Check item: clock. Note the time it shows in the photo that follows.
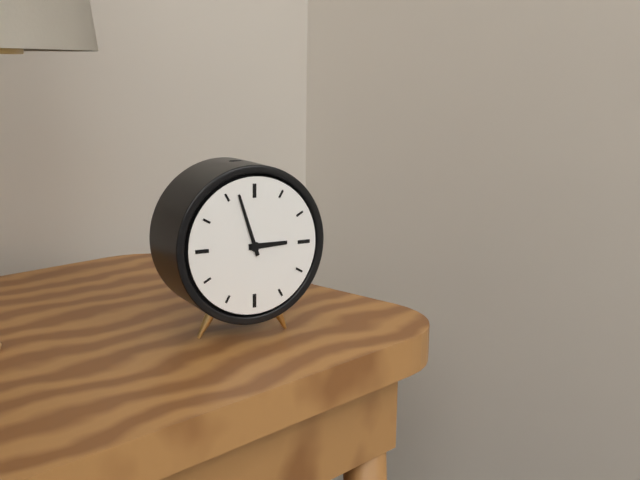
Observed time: 2:57
